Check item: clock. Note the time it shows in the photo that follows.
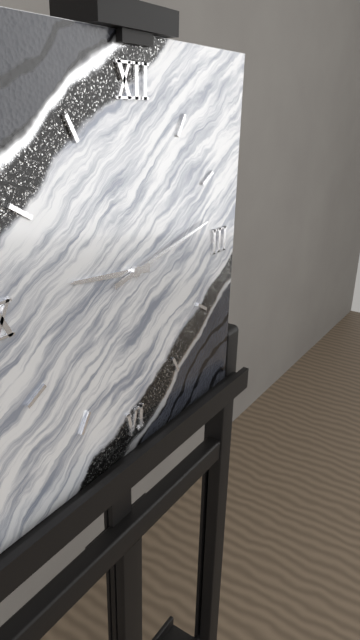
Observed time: 9:13
